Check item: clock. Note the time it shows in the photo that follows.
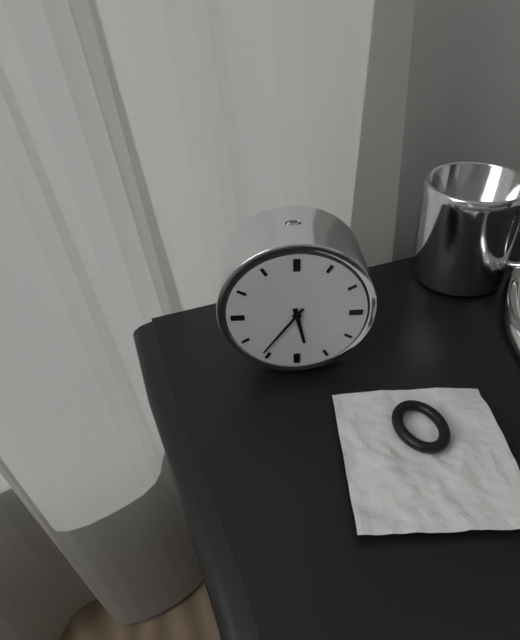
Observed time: 5:36
